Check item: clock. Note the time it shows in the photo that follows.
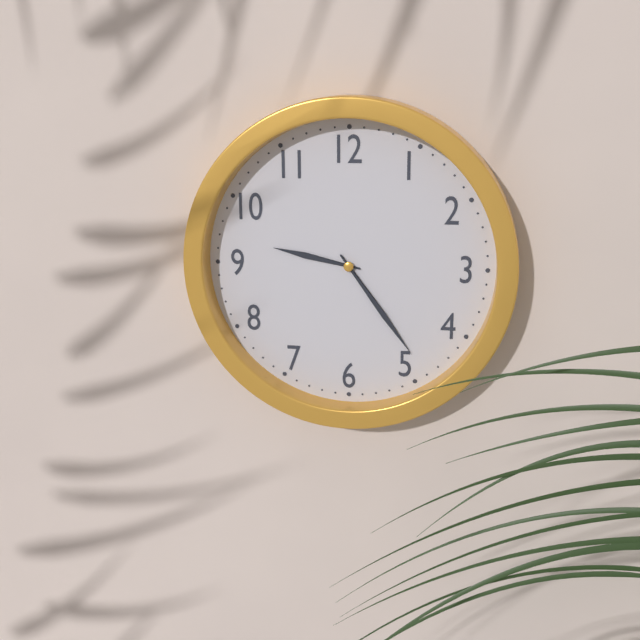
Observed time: 9:24
